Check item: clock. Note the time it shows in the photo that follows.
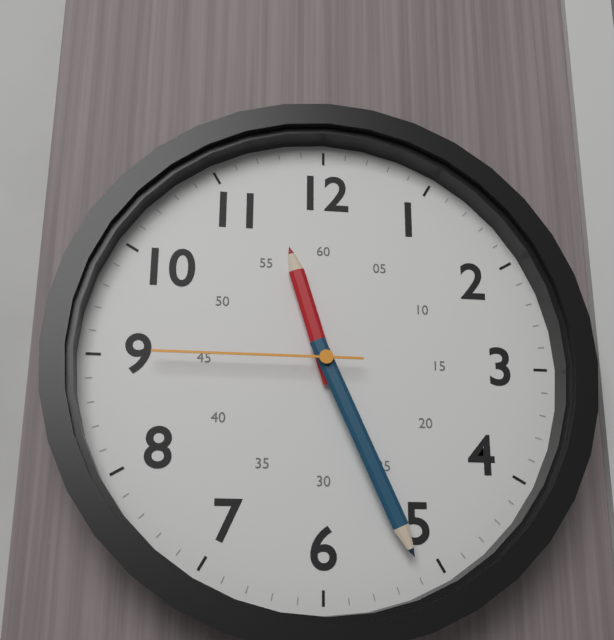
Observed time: 11:26:45
